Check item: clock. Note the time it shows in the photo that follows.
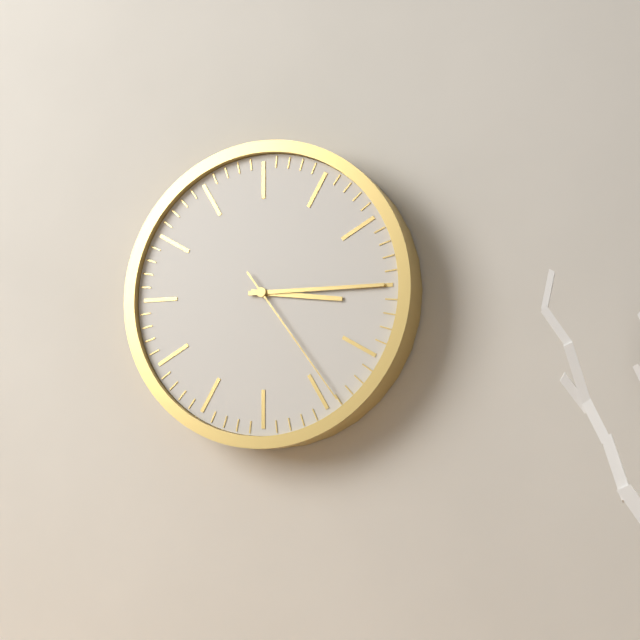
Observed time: 3:15:24
